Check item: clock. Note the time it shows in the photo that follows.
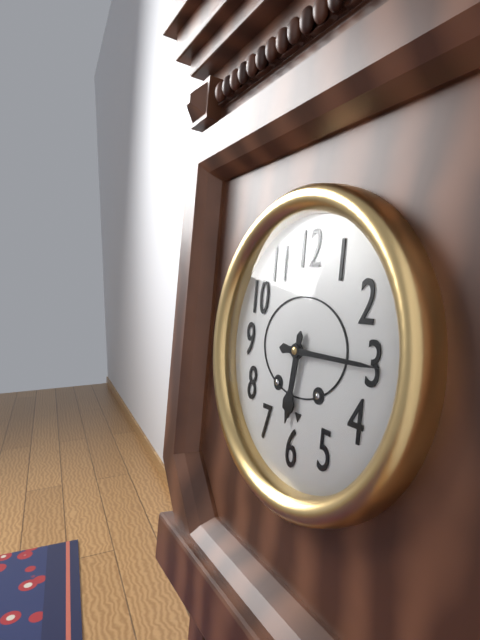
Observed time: 6:15
